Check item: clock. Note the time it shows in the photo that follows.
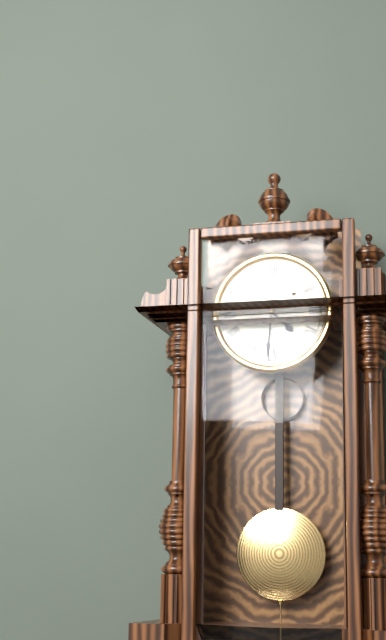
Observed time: 4:31
